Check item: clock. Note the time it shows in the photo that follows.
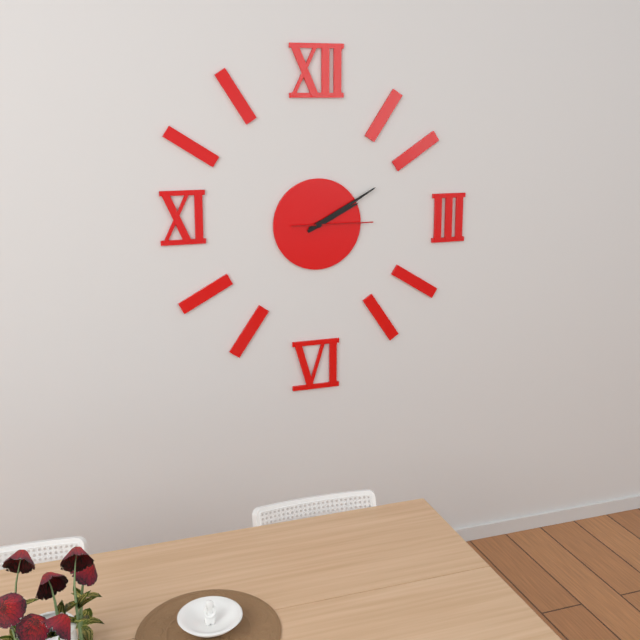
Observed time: 2:10:15
